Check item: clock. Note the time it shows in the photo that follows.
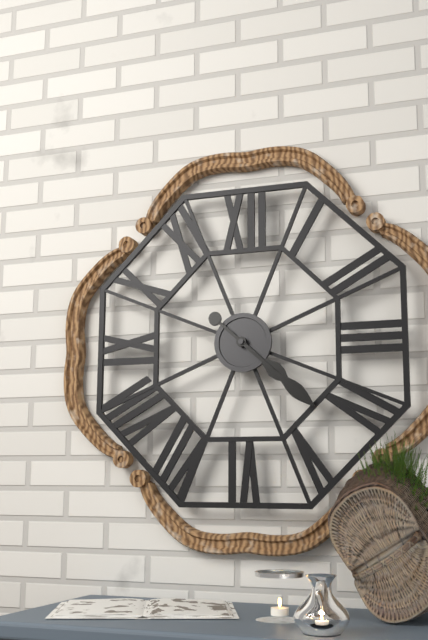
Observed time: 4:22
